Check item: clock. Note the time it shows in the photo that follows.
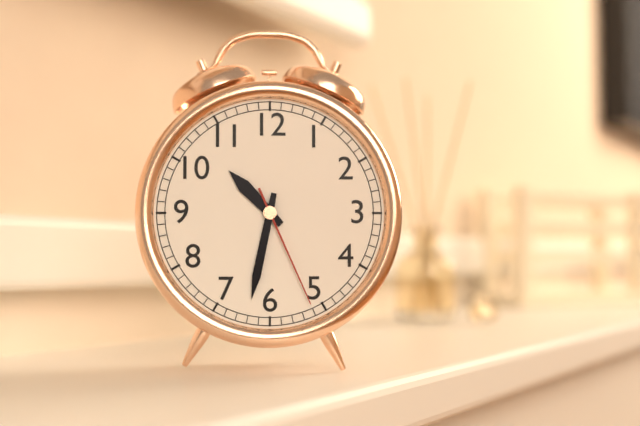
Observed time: 10:32:26
